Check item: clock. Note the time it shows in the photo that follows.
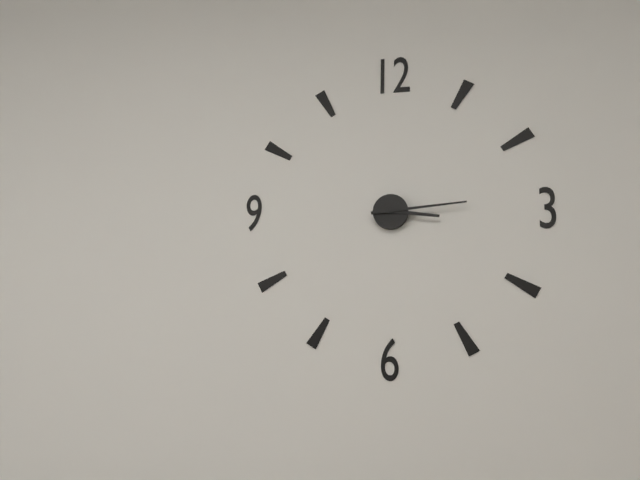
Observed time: 3:14
